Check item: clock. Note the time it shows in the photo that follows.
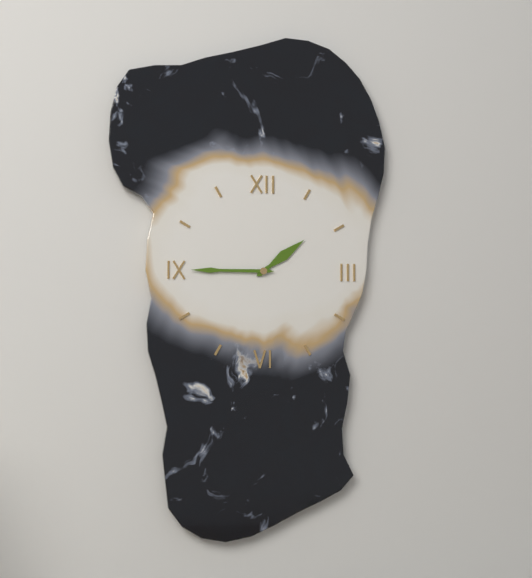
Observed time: 1:45
